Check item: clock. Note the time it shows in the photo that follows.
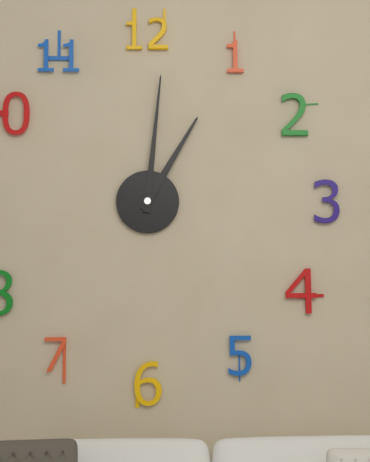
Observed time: 1:01
